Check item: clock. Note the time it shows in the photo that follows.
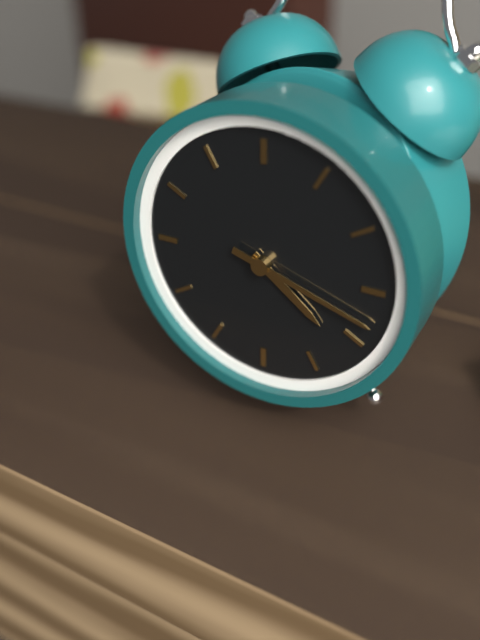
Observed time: 4:18
